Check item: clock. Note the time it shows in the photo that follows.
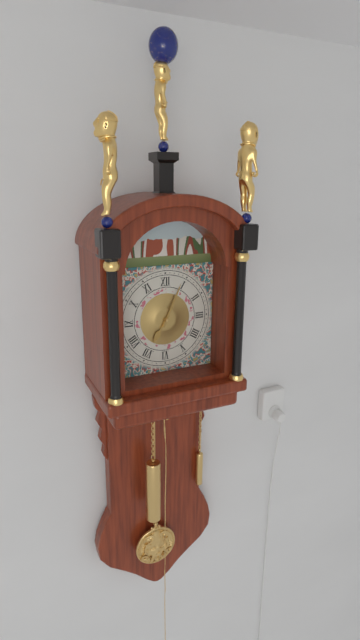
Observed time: 7:04
